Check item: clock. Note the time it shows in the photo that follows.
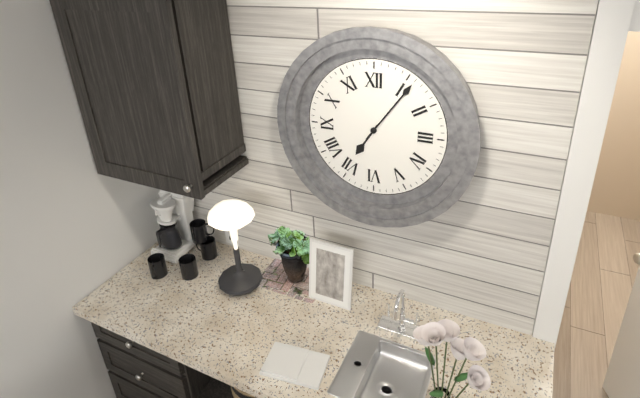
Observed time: 7:06
